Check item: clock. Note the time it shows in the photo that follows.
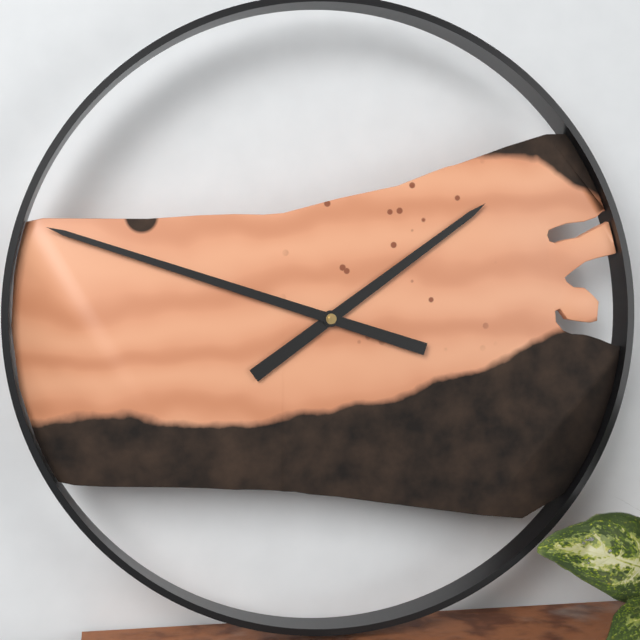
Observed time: 1:48
